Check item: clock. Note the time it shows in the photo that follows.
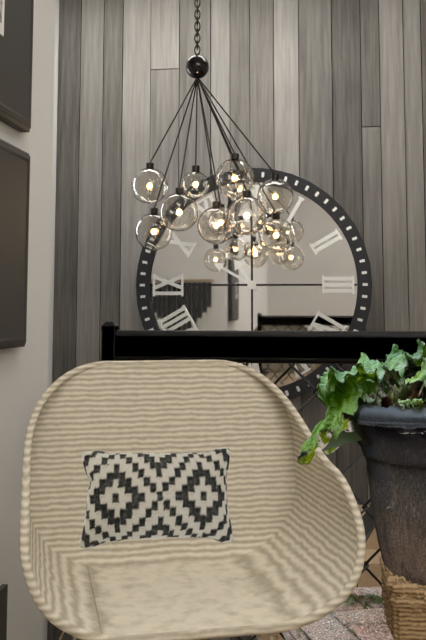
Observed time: 10:50
